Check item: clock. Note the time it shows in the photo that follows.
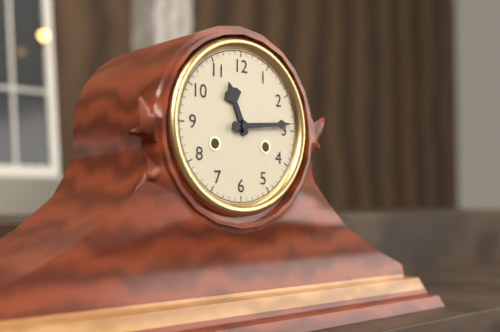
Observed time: 11:14
